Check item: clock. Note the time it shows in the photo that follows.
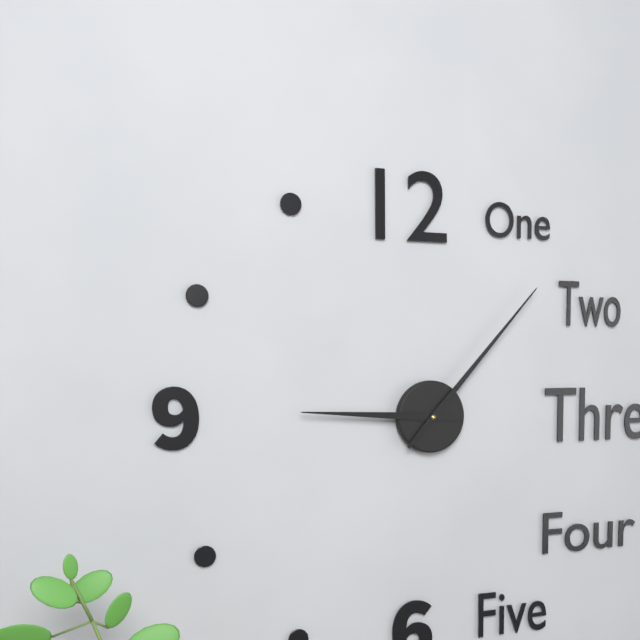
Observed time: 9:07
